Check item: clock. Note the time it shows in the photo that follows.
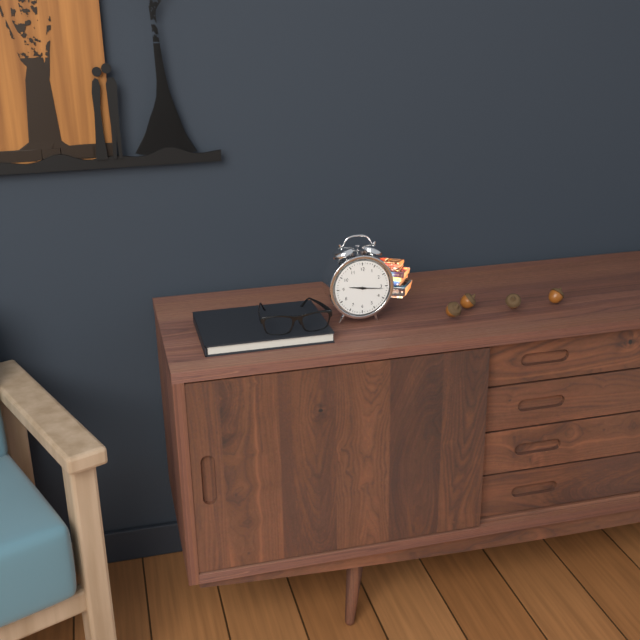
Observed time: 9:16
